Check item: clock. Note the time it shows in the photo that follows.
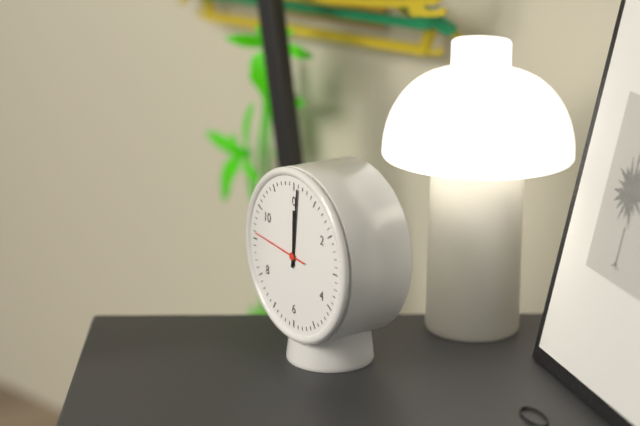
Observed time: 12:01:46
